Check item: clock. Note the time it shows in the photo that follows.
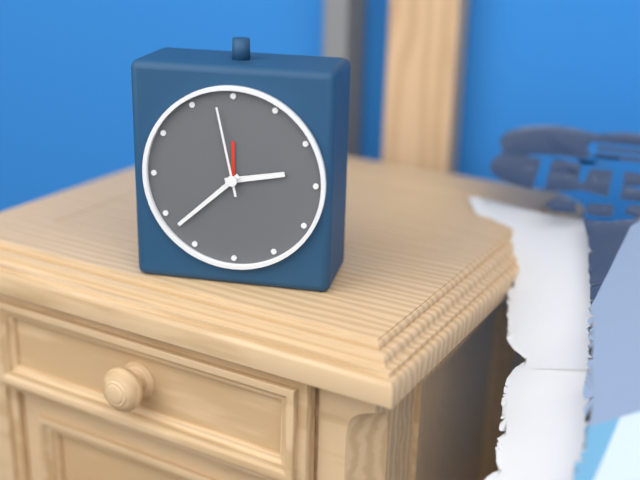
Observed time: 2:38:58
